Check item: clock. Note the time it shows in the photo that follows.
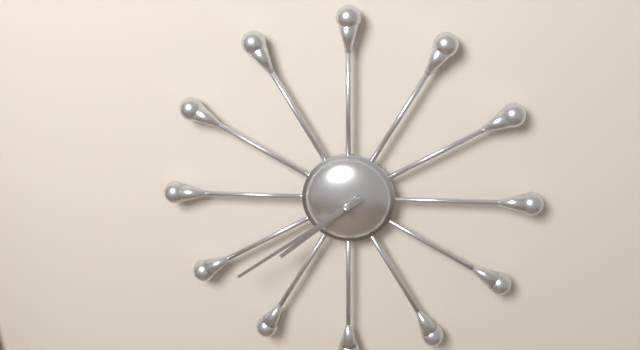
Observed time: 7:39
